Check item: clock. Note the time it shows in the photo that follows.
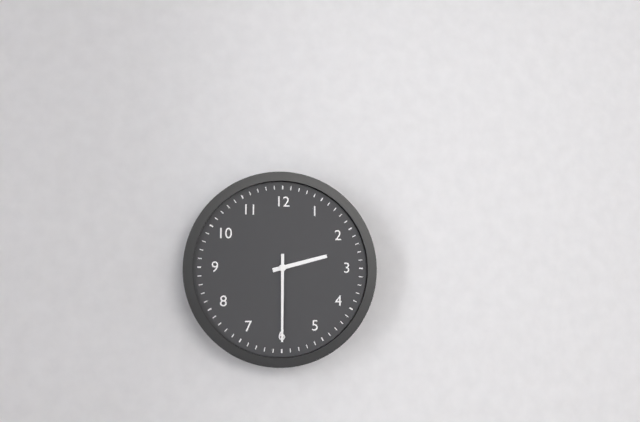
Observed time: 2:30
